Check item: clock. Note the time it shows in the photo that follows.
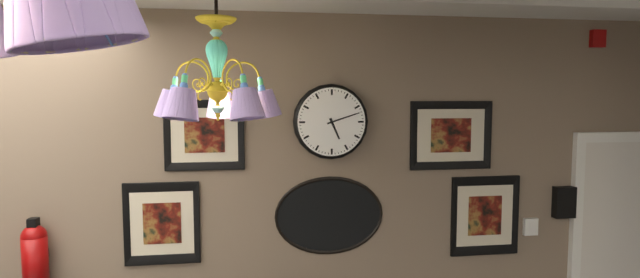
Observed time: 5:12
